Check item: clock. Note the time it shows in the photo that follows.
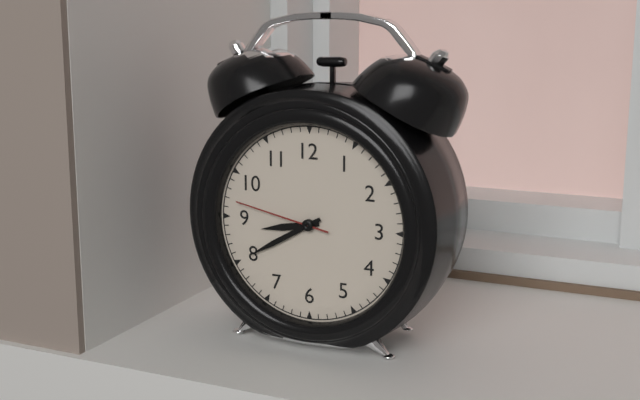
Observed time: 8:40:47
